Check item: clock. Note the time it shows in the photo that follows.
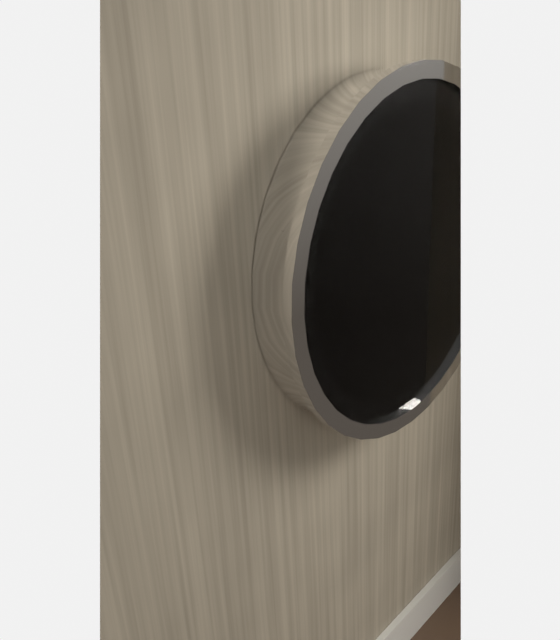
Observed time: 9:52
